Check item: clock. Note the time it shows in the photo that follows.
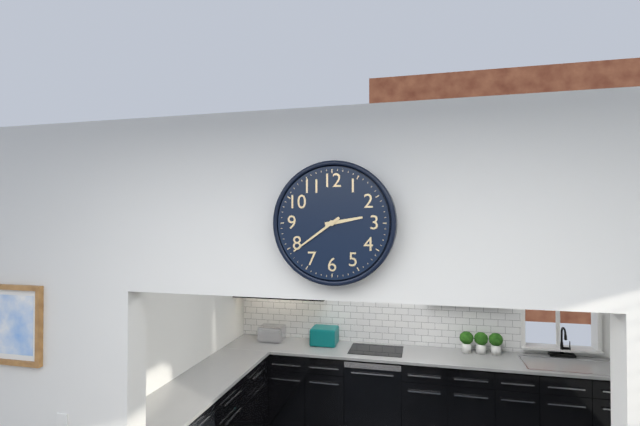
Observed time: 2:39
